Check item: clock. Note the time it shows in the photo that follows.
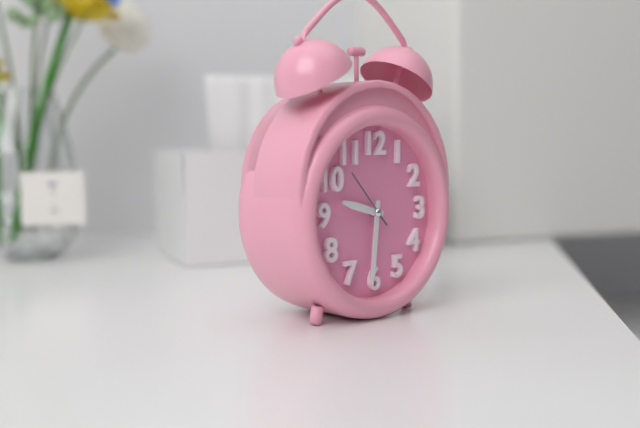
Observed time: 9:31:53
